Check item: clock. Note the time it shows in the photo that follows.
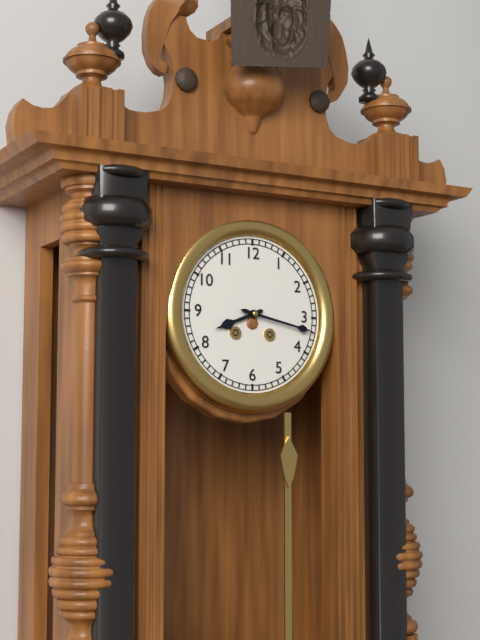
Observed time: 8:17
